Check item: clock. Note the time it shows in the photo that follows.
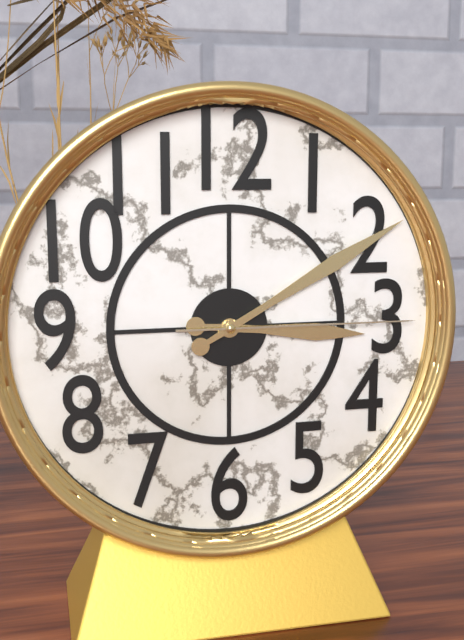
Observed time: 3:10:15
